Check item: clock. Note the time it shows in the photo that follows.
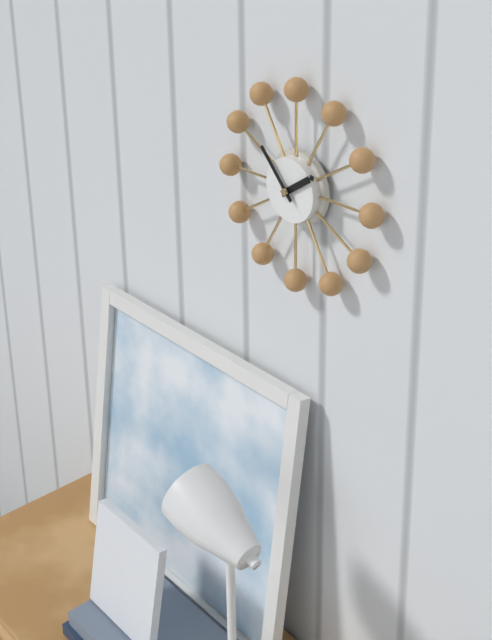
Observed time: 1:53
